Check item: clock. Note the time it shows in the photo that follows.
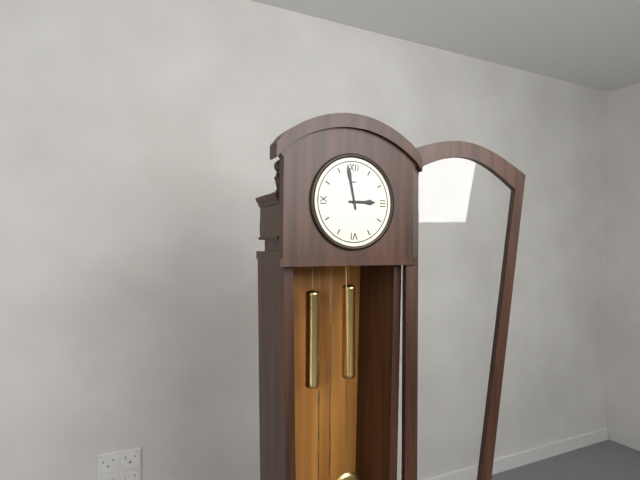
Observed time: 2:58
